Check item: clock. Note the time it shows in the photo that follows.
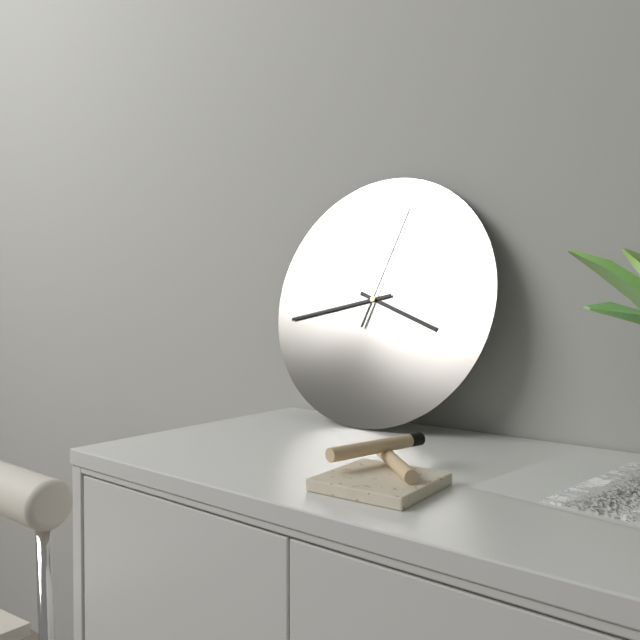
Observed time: 3:43:03
